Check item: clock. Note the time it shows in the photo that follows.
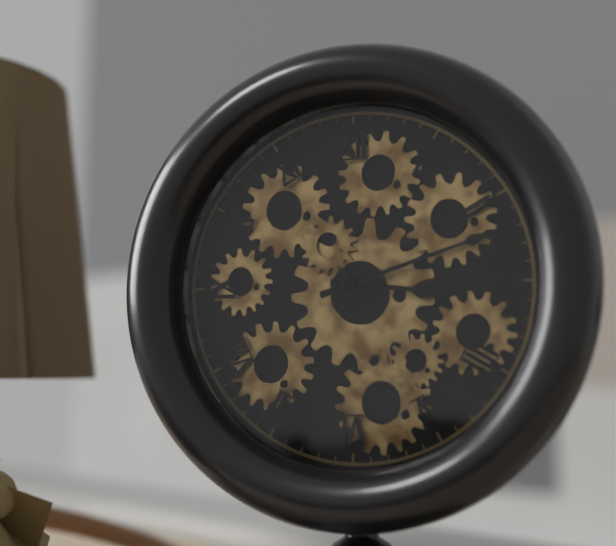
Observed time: 3:12
